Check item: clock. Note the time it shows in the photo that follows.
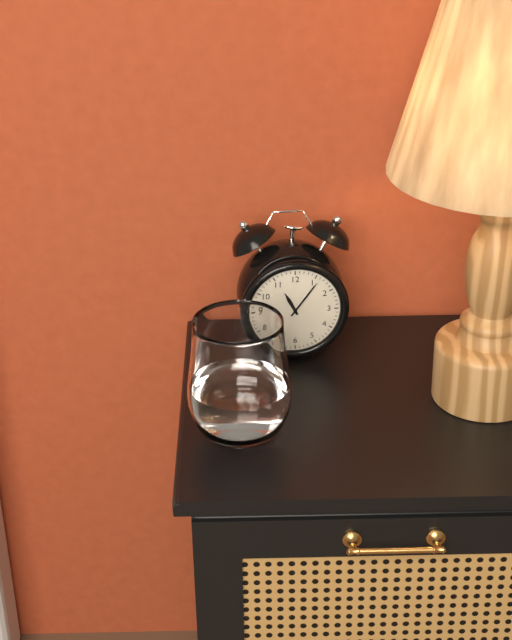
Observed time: 11:06
